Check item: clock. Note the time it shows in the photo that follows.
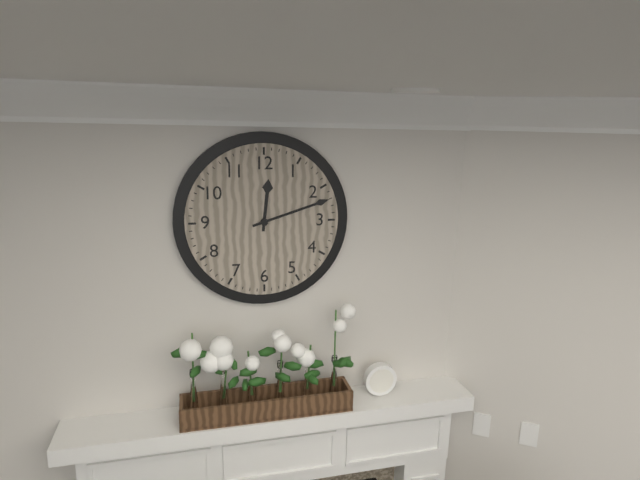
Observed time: 12:12
